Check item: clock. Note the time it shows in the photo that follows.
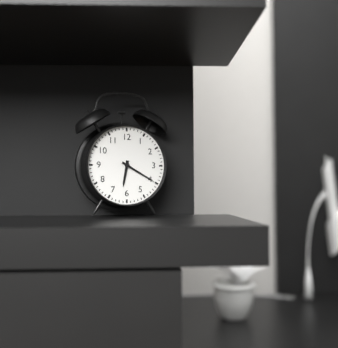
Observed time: 6:20
